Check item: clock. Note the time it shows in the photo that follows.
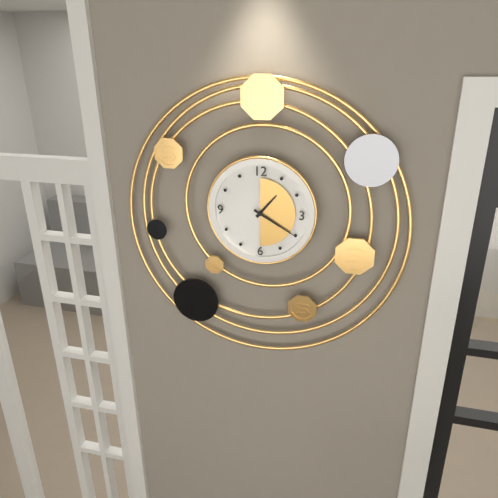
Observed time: 1:20
